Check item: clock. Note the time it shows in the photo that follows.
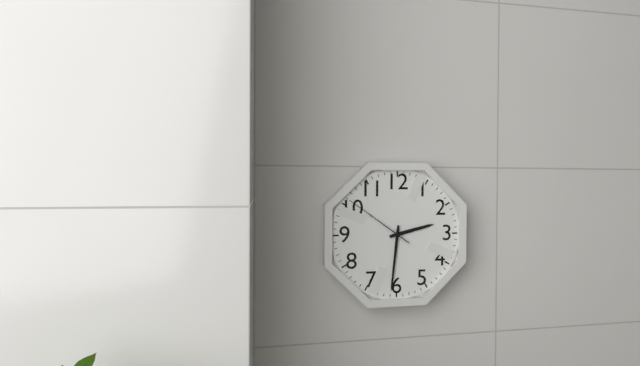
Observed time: 2:31:51
